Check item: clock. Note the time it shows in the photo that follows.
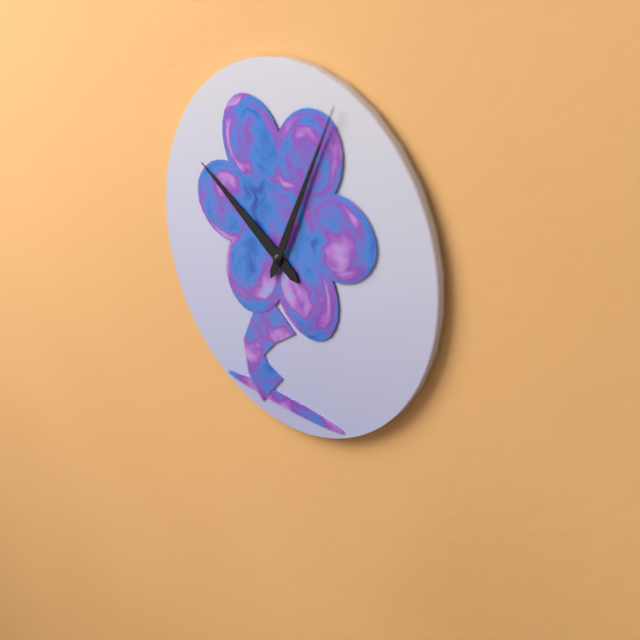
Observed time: 10:04
